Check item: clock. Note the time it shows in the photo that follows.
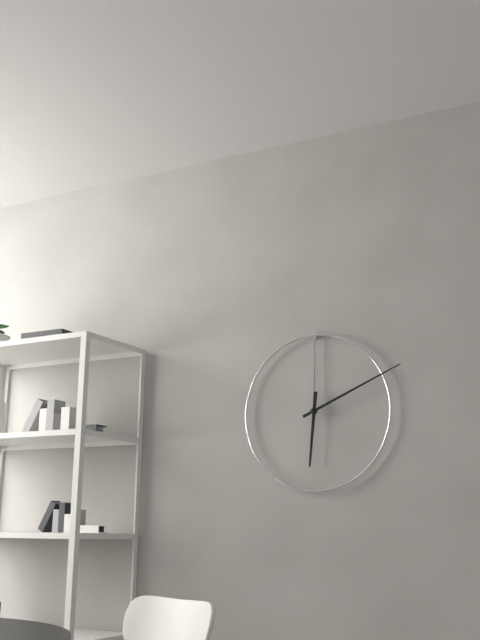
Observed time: 6:11
